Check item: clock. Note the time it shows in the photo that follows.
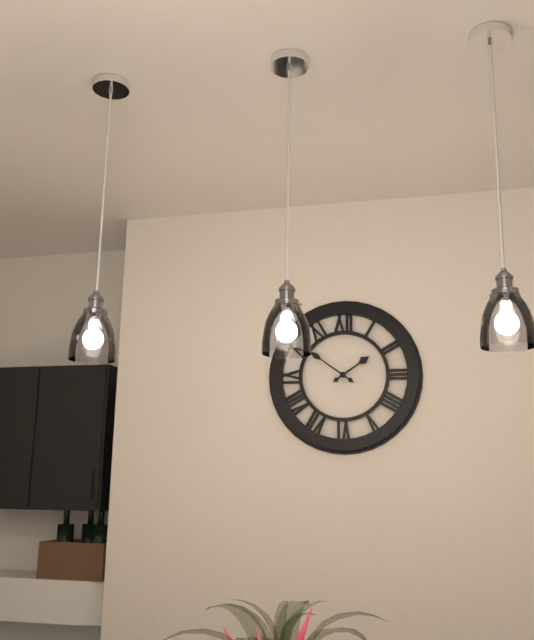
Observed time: 1:51
